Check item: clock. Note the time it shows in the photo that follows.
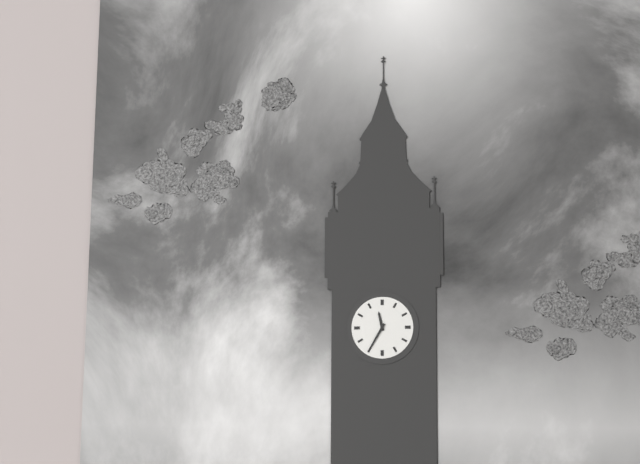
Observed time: 11:35
